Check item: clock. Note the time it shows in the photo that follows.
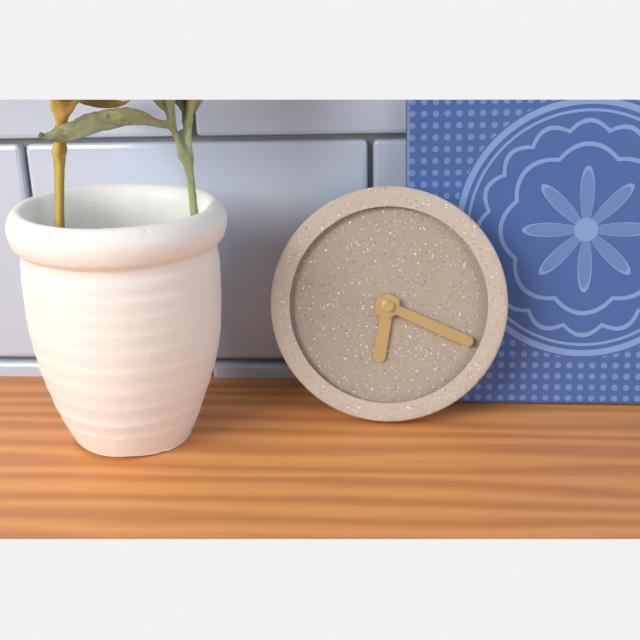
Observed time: 6:19
